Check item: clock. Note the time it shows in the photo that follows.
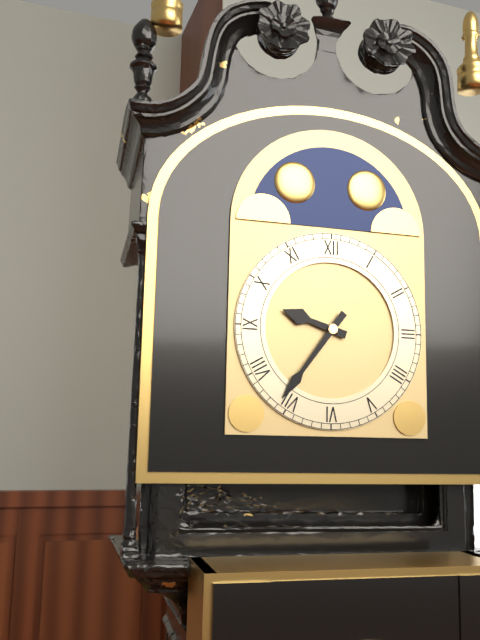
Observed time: 9:36
